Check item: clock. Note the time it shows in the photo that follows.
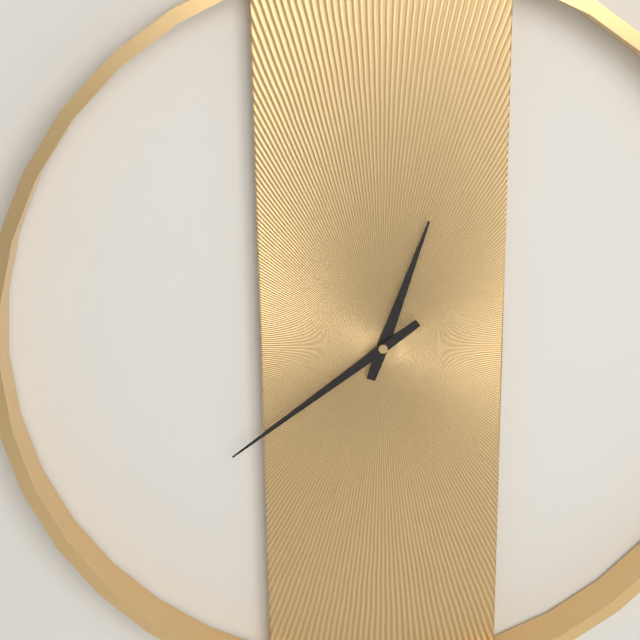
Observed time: 12:39
